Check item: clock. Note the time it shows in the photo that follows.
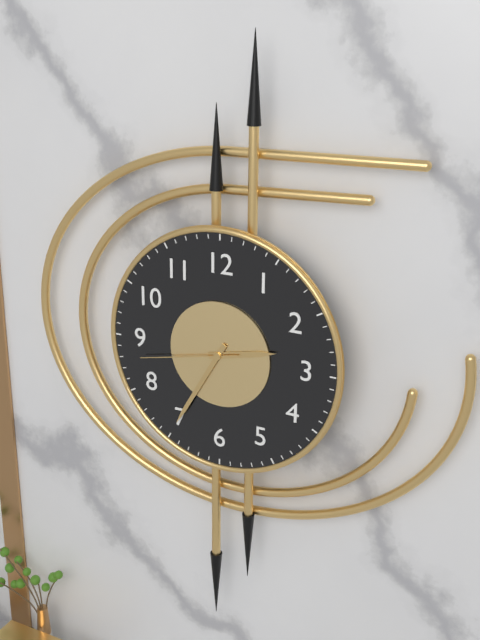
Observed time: 2:35:43
